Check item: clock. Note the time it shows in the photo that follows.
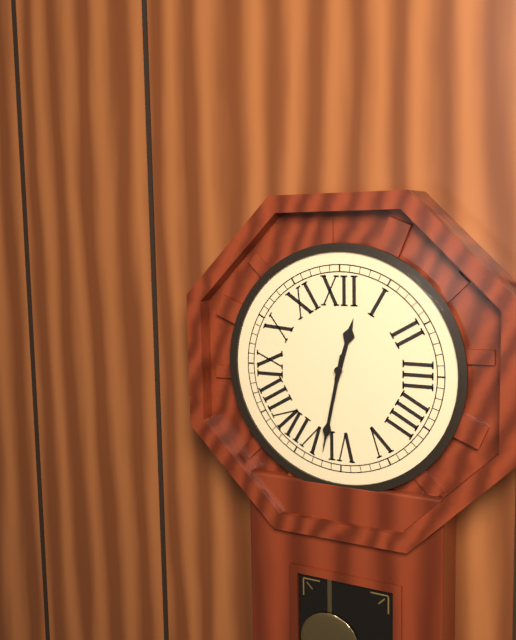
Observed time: 12:32
